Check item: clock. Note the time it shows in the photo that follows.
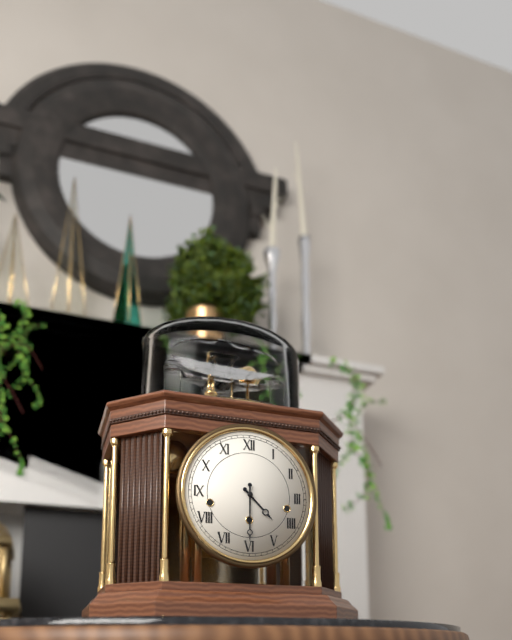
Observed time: 4:30
